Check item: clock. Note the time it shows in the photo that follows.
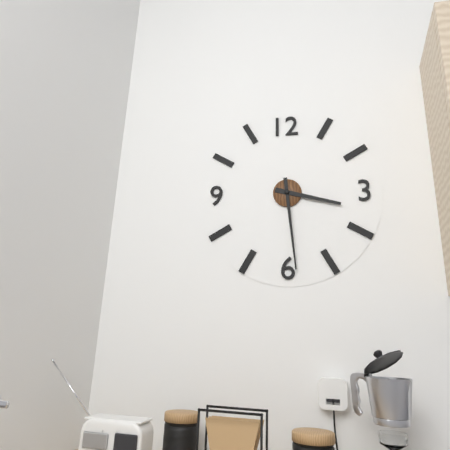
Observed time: 3:29
